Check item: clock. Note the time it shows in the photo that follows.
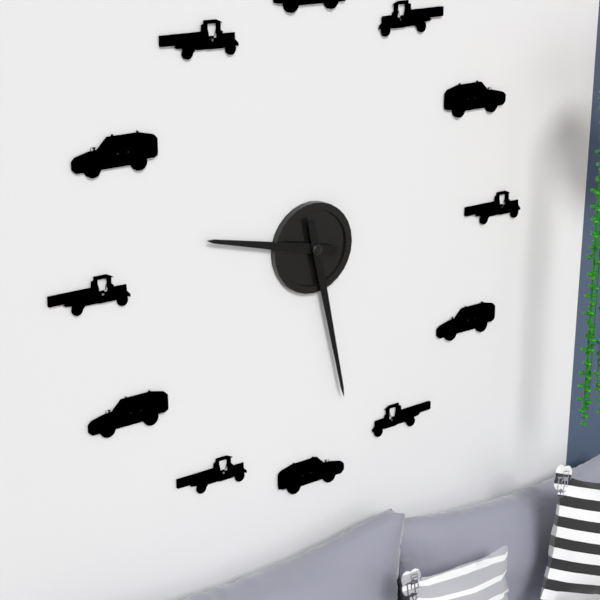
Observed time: 9:28
